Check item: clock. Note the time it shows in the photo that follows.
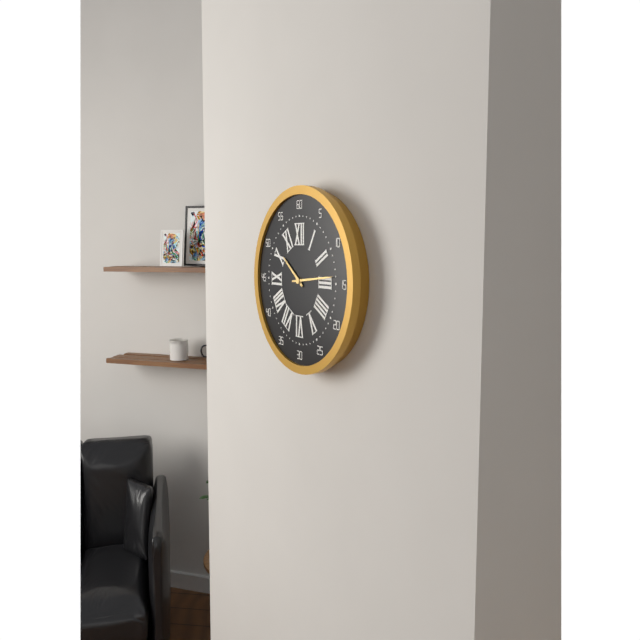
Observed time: 10:14
